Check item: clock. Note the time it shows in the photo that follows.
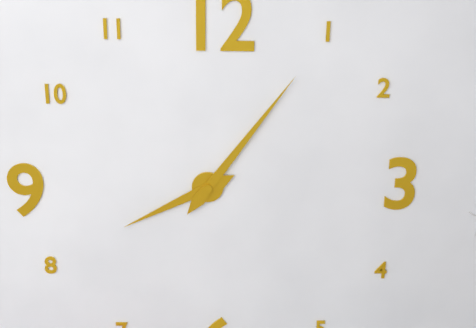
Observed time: 8:06
